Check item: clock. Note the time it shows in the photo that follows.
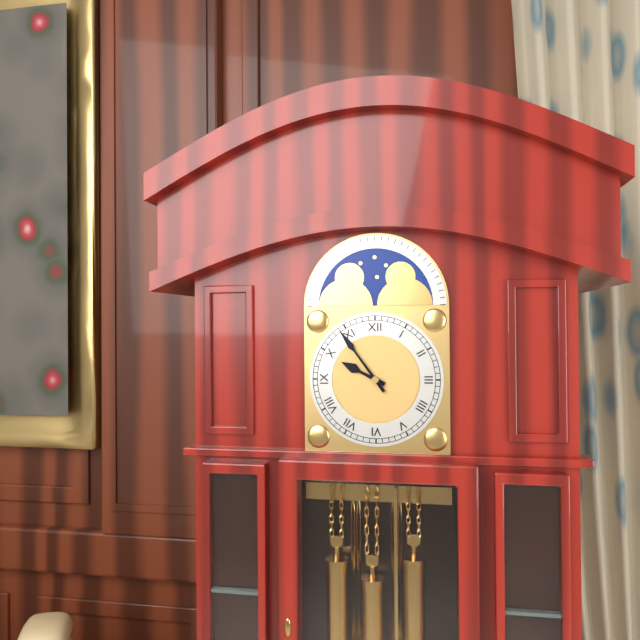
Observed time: 9:54
